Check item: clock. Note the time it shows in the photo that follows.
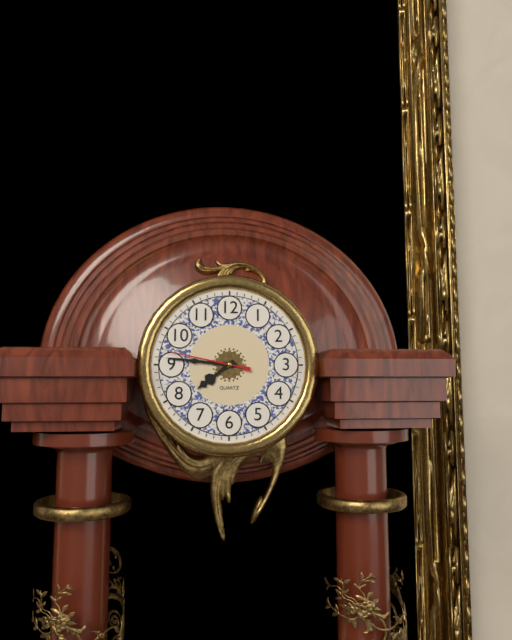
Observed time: 7:46:47
